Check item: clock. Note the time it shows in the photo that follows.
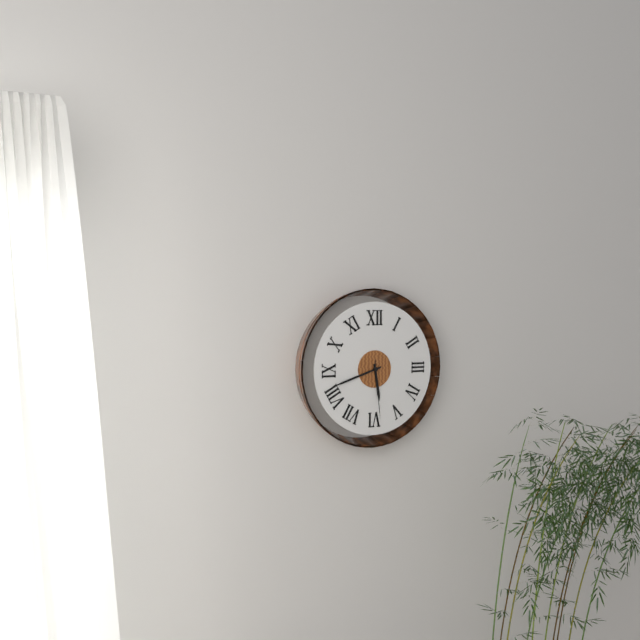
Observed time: 5:42:29
